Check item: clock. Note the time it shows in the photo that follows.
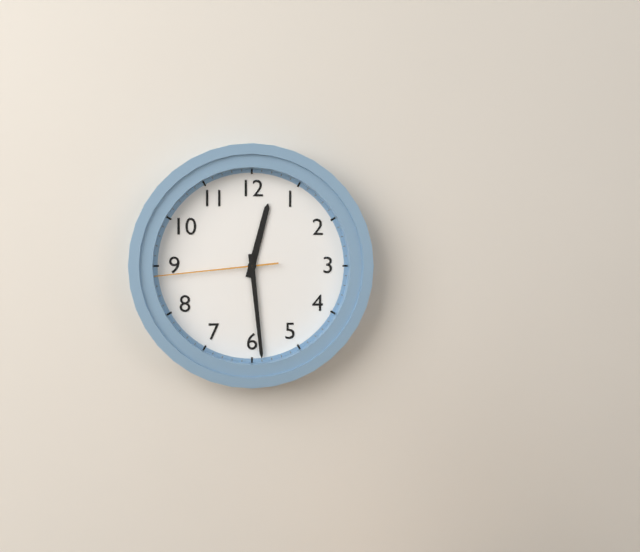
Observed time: 12:29:44
